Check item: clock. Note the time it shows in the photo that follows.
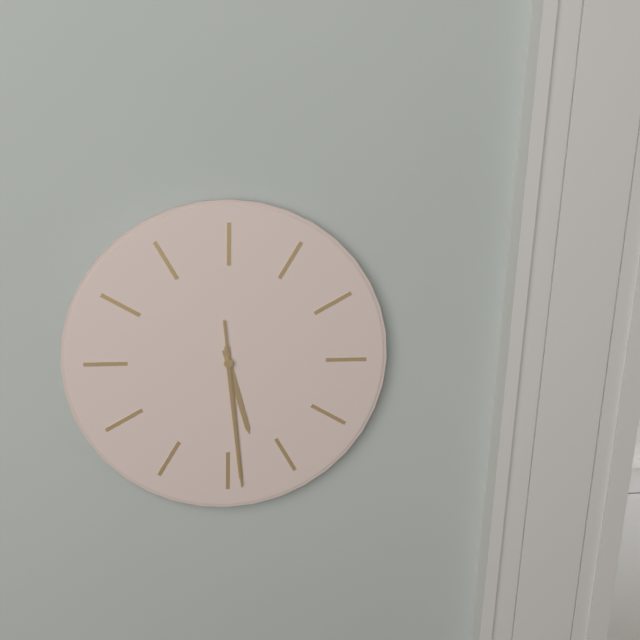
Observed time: 5:29:29
